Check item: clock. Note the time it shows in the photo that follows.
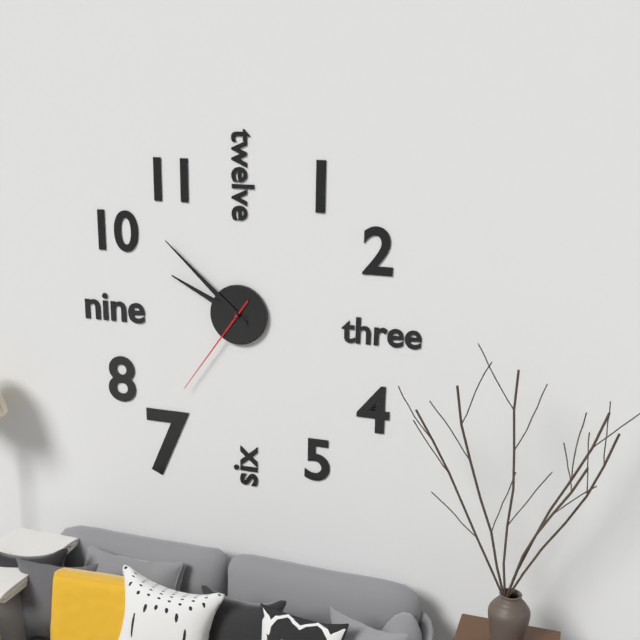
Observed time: 9:52:36
